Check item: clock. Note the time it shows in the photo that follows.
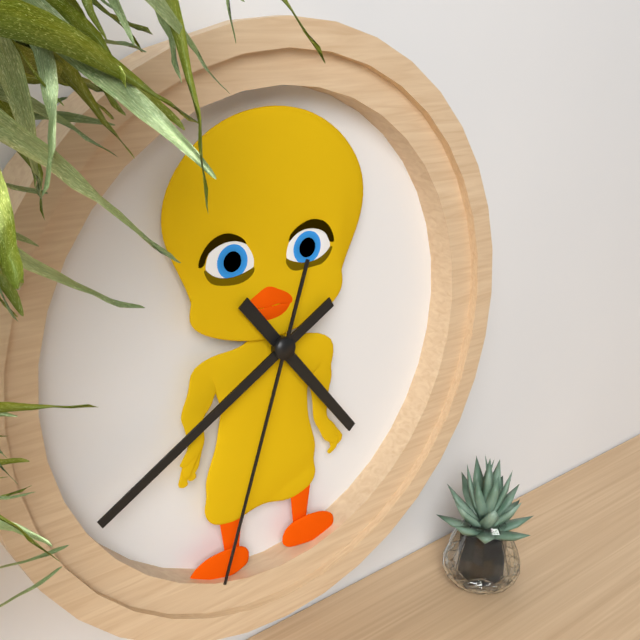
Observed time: 4:40:33
